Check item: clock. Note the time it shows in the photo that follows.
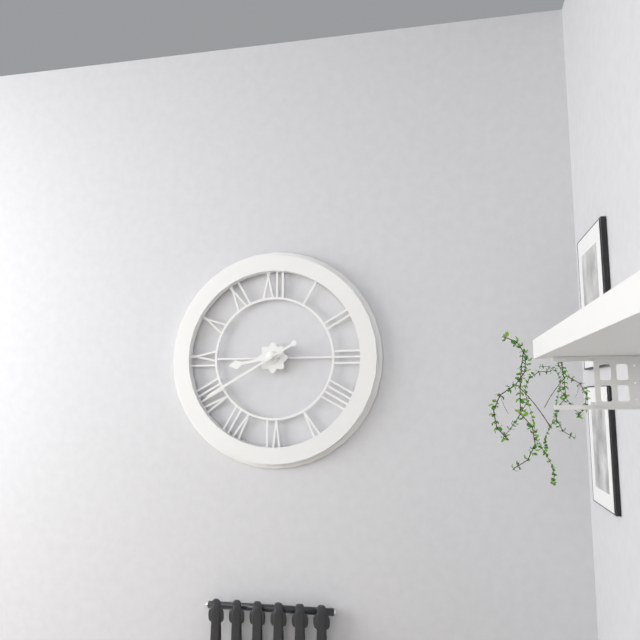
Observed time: 8:40
